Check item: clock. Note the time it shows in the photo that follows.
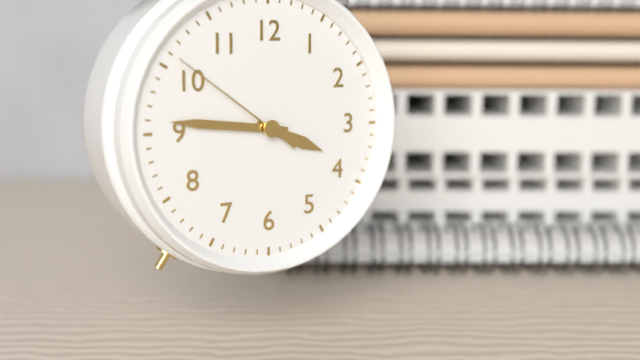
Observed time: 3:46:51
